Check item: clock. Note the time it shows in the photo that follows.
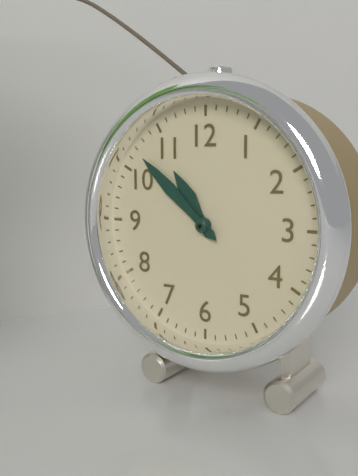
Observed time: 10:52
